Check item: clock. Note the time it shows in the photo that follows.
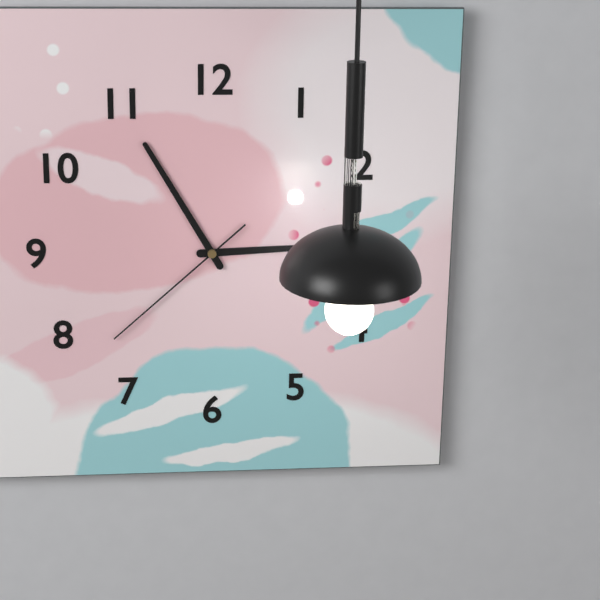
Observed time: 2:55:38
